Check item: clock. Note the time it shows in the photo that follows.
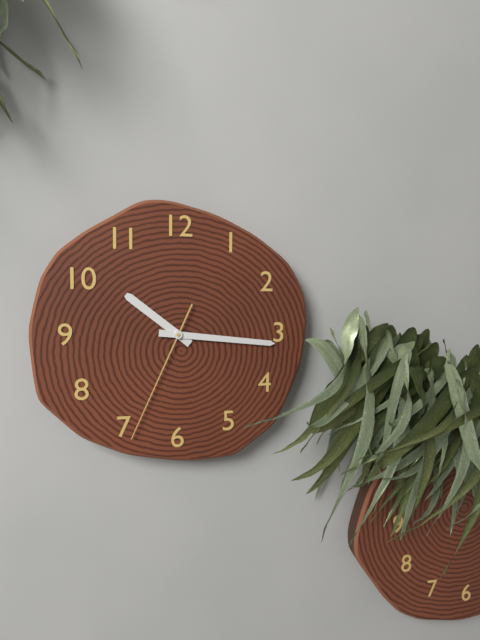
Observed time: 10:16:34
